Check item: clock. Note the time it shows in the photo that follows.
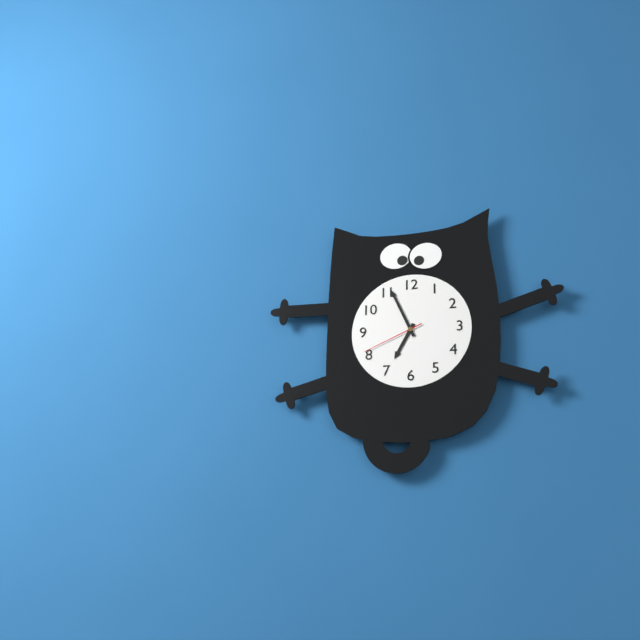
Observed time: 6:56:41
